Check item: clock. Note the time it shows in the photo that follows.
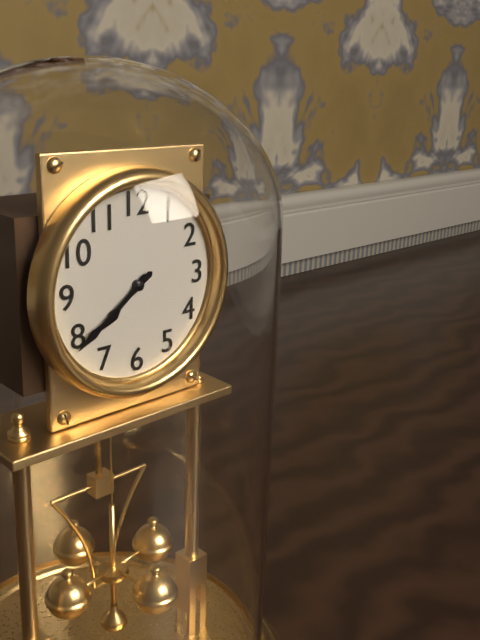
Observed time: 7:39
